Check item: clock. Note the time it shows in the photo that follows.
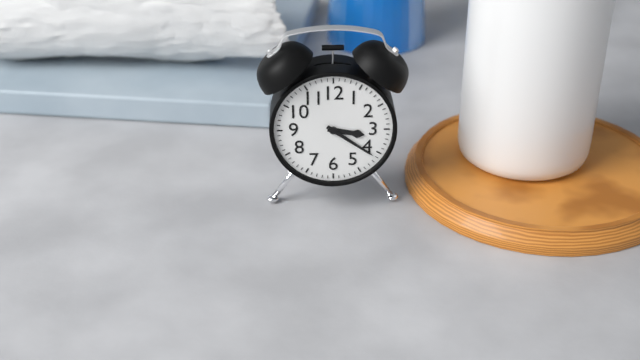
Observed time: 3:21
